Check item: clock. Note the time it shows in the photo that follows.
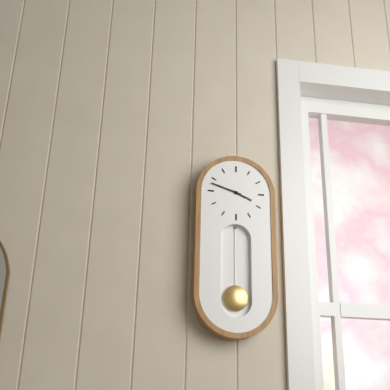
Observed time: 3:48
